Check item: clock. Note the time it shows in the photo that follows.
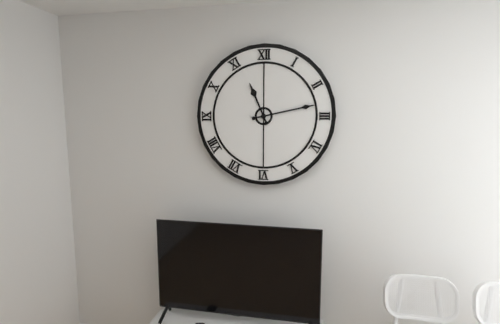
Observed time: 11:13
